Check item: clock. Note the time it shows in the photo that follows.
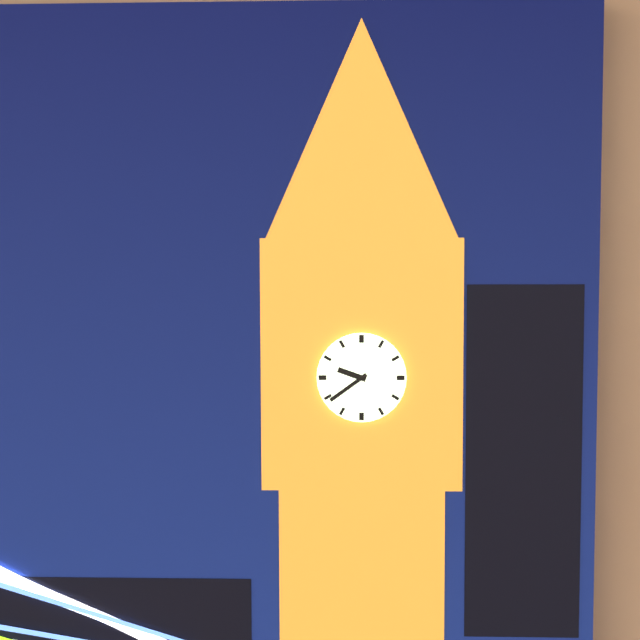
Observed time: 9:39
